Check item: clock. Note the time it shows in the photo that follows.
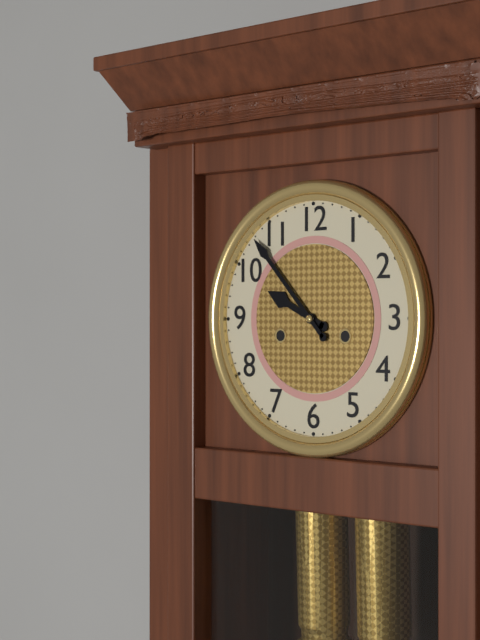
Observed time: 9:53
